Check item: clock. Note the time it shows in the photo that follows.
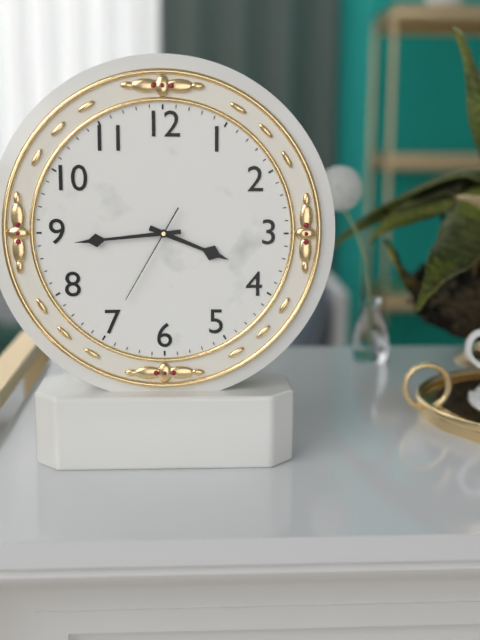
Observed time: 3:44:35
